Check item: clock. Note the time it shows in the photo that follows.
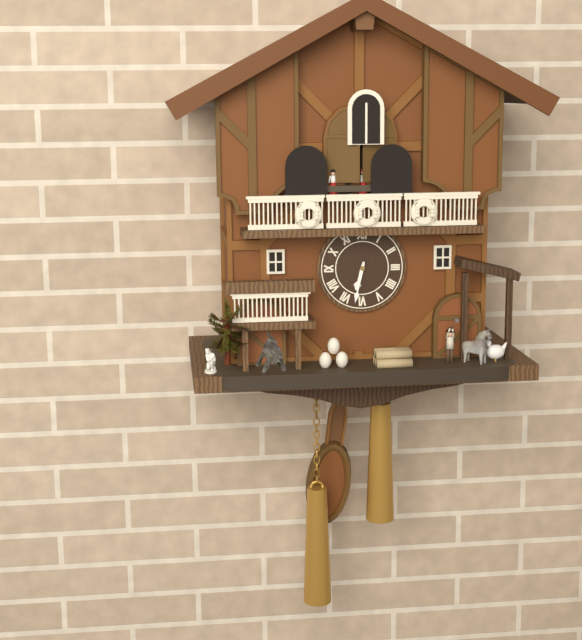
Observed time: 6:32
